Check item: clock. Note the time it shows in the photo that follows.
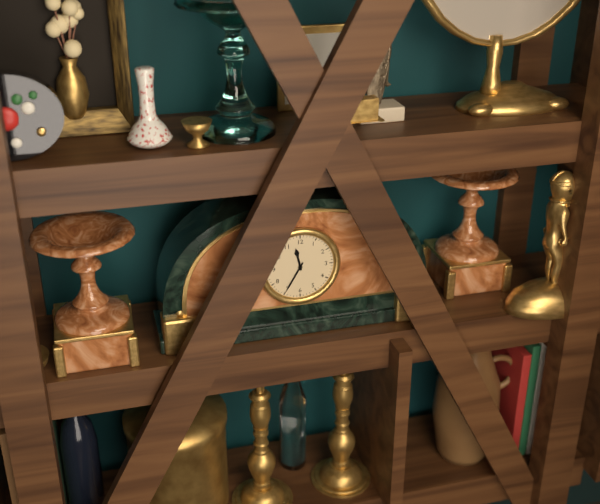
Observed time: 11:35
